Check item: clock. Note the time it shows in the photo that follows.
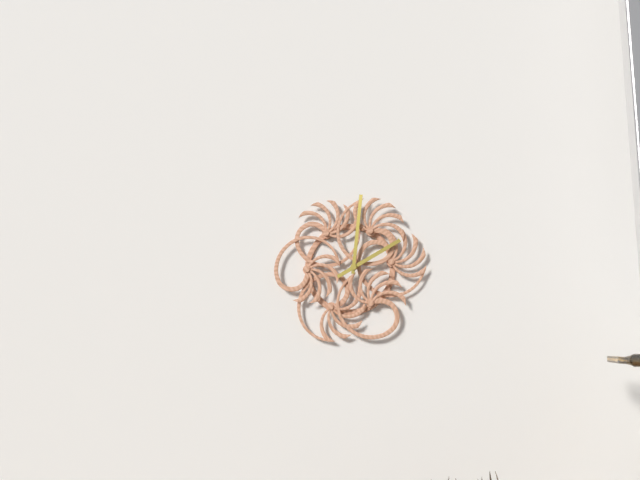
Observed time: 2:01
